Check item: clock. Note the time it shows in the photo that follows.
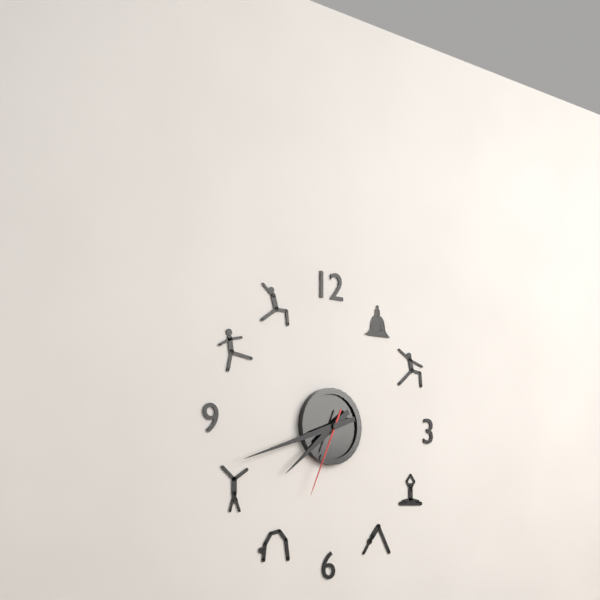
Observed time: 7:42:34
